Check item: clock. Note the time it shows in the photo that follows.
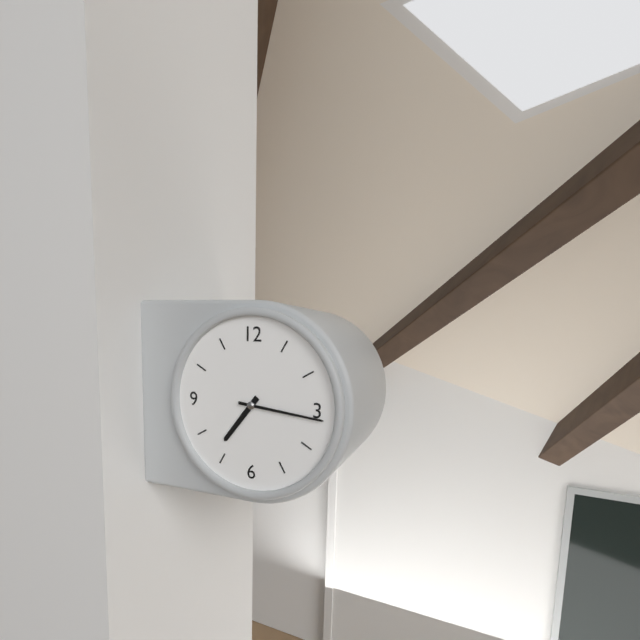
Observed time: 7:16
